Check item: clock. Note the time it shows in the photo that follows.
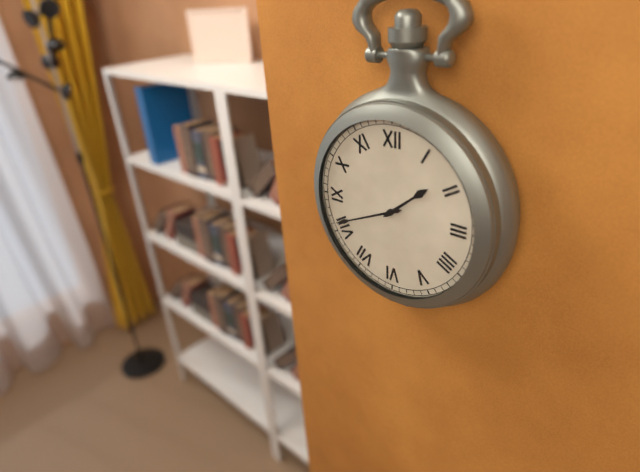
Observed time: 1:41
